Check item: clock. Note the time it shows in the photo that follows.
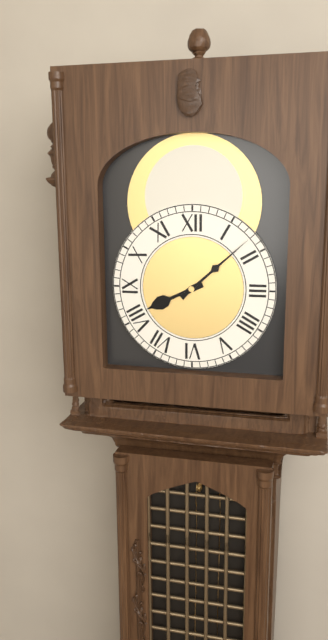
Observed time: 8:08
